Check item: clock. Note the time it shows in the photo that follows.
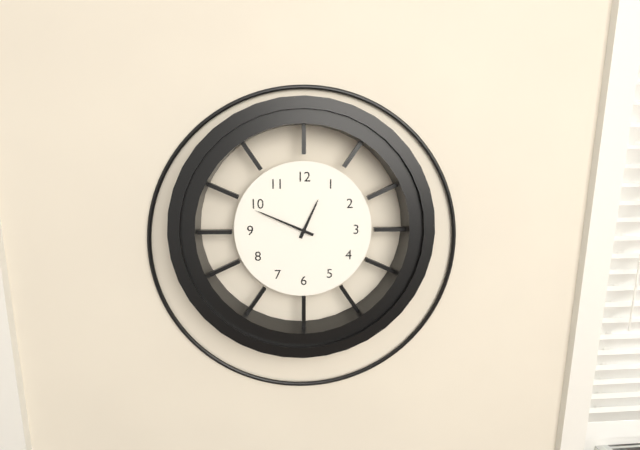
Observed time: 12:49
